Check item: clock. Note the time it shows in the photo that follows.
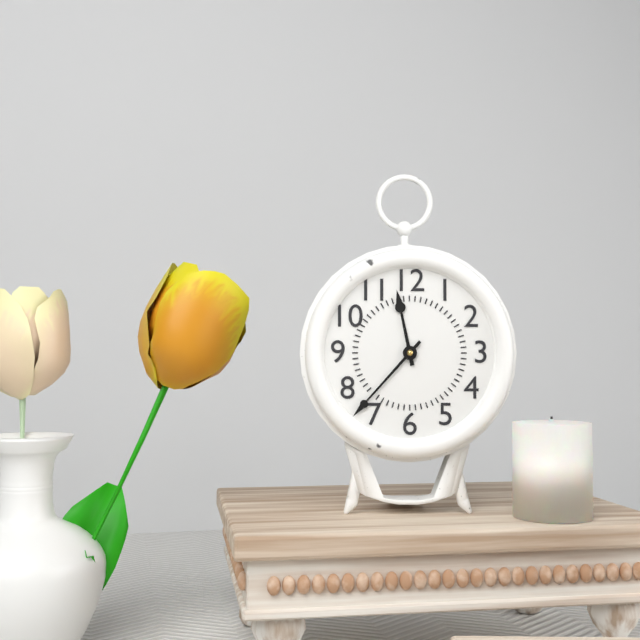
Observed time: 11:37
